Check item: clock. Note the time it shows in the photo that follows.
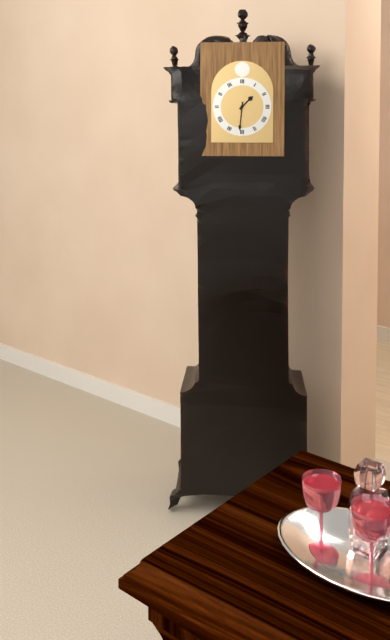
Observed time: 1:31
